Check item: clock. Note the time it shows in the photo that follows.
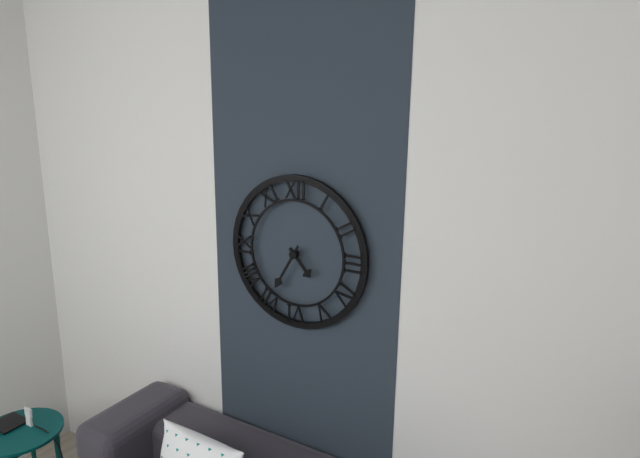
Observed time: 4:35
